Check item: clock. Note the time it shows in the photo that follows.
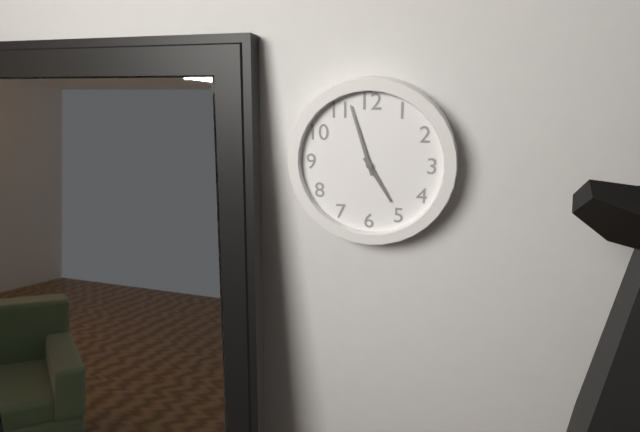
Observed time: 4:57
